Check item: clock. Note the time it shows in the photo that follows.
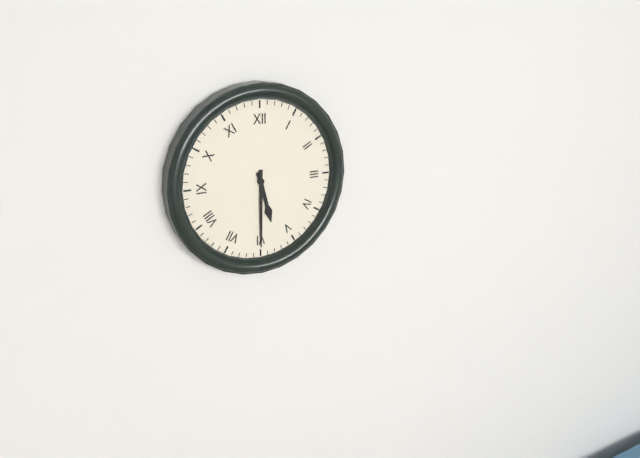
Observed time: 5:30
